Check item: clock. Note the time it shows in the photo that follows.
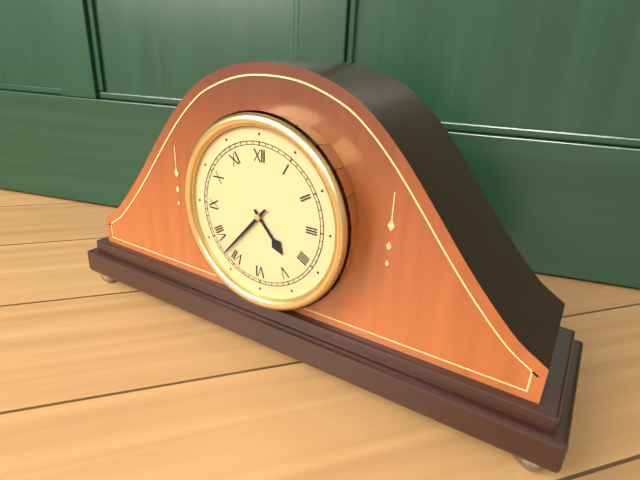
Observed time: 4:37
